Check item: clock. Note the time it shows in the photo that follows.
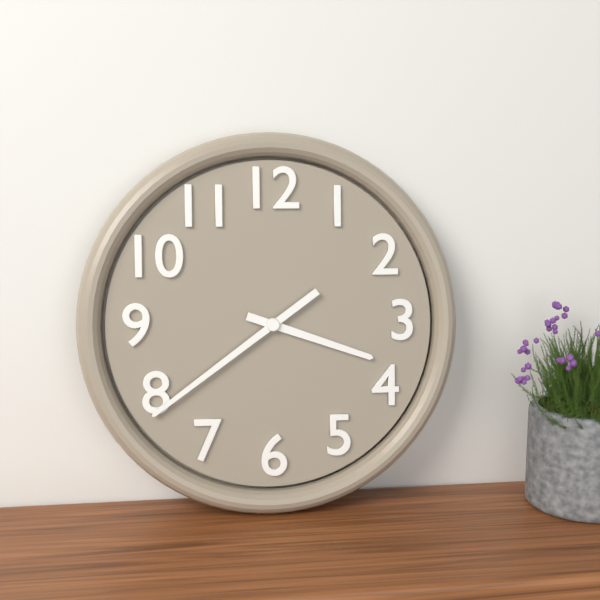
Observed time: 3:39
